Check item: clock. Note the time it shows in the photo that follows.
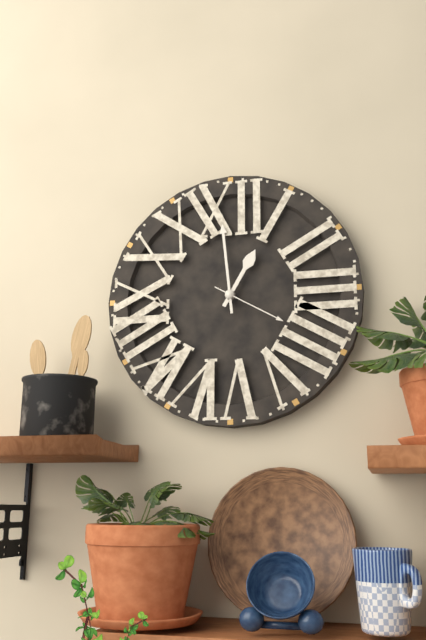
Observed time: 12:59:20
